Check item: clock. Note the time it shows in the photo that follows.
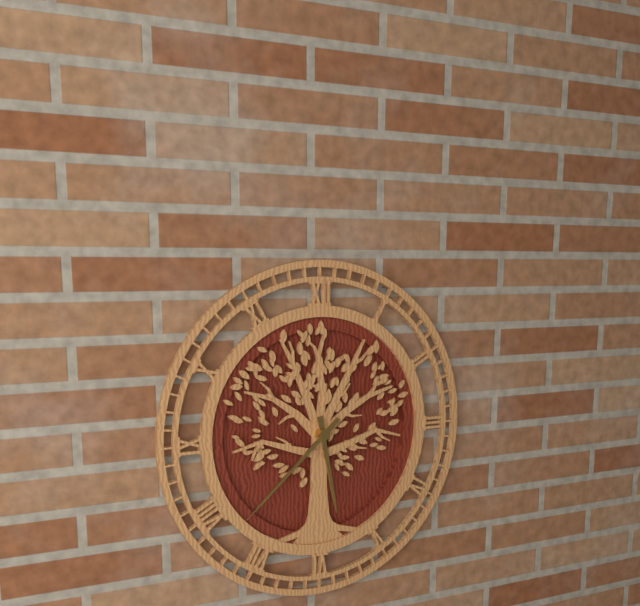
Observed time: 5:38
